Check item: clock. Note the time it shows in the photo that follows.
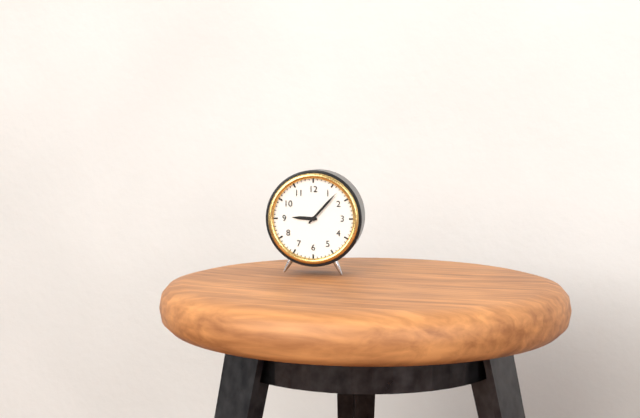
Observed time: 9:07
